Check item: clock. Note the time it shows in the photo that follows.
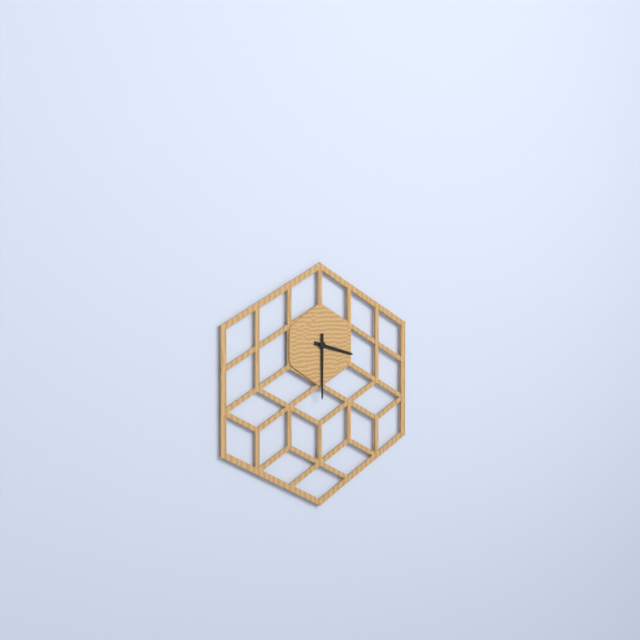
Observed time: 3:30
